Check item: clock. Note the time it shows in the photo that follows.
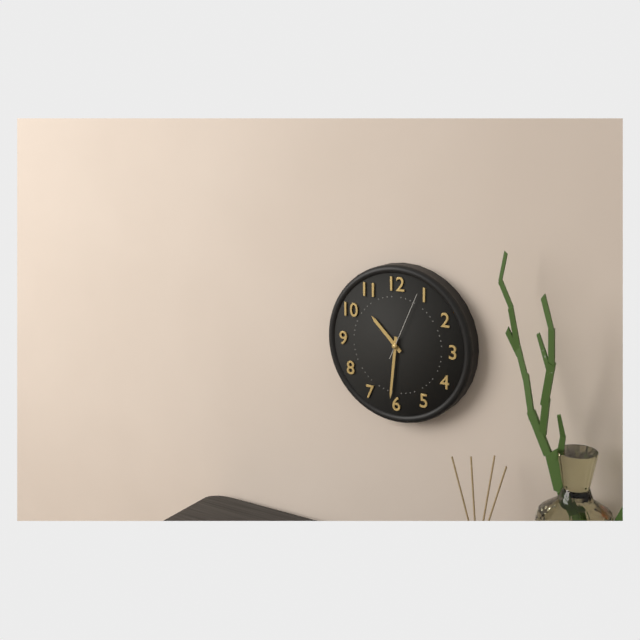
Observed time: 10:31:04
